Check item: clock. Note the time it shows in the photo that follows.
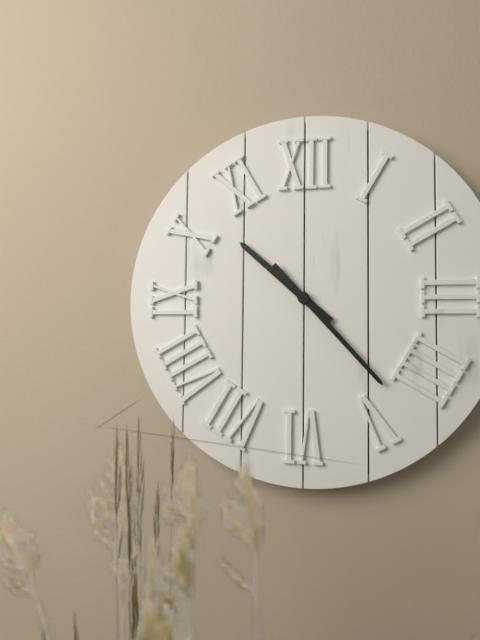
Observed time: 10:23
